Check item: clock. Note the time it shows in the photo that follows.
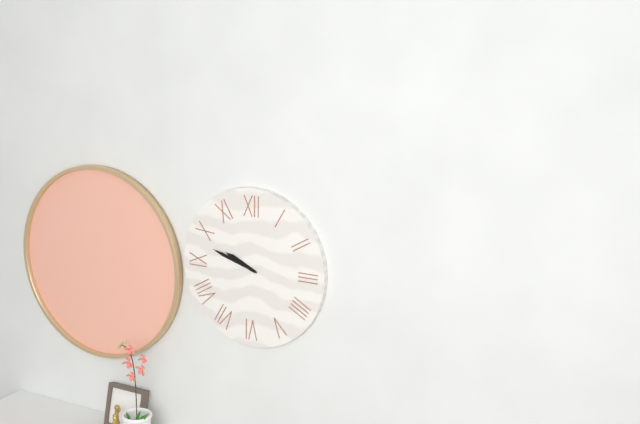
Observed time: 9:48
